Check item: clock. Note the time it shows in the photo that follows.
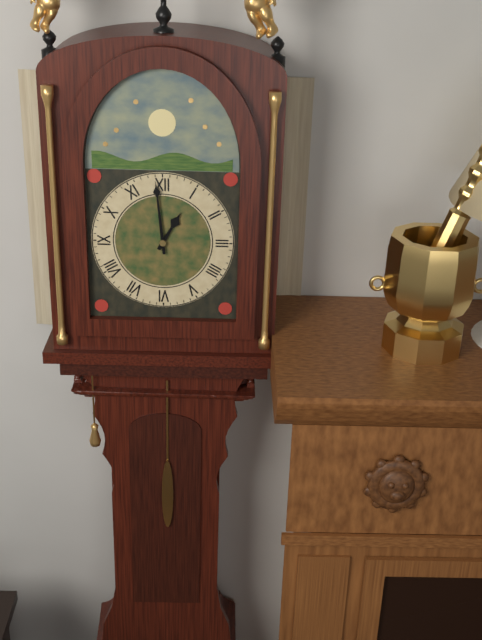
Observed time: 12:59
